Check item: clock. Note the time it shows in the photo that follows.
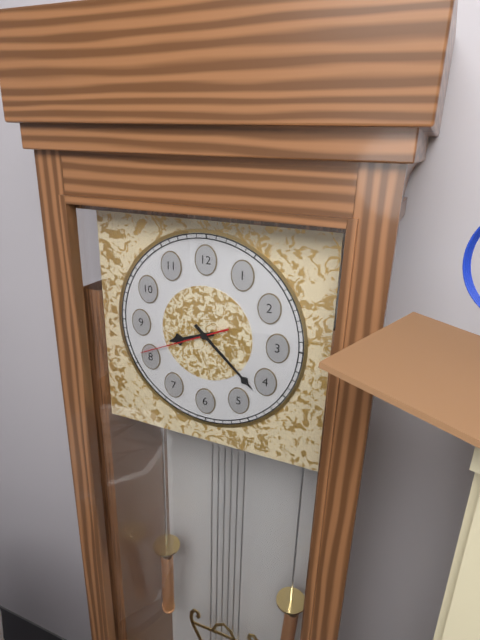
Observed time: 8:22:41
